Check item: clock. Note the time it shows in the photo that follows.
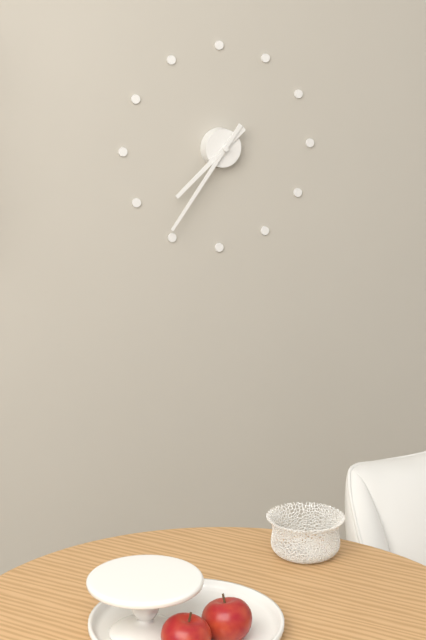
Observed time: 7:36
